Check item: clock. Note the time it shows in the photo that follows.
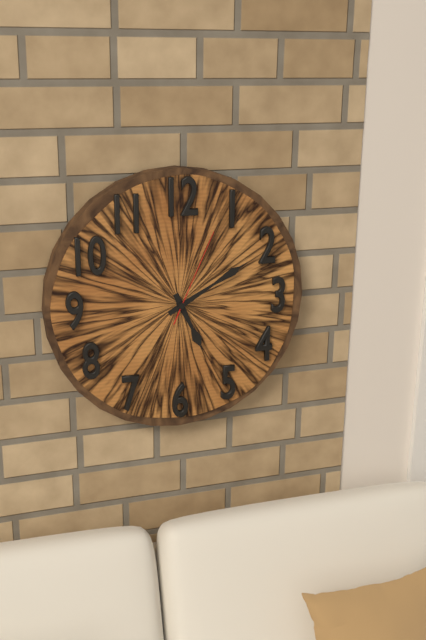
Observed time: 5:10:04
